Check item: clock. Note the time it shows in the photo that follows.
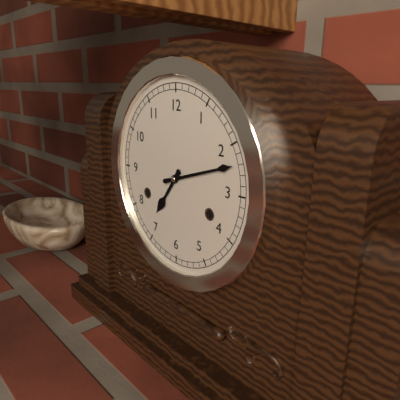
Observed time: 7:12
